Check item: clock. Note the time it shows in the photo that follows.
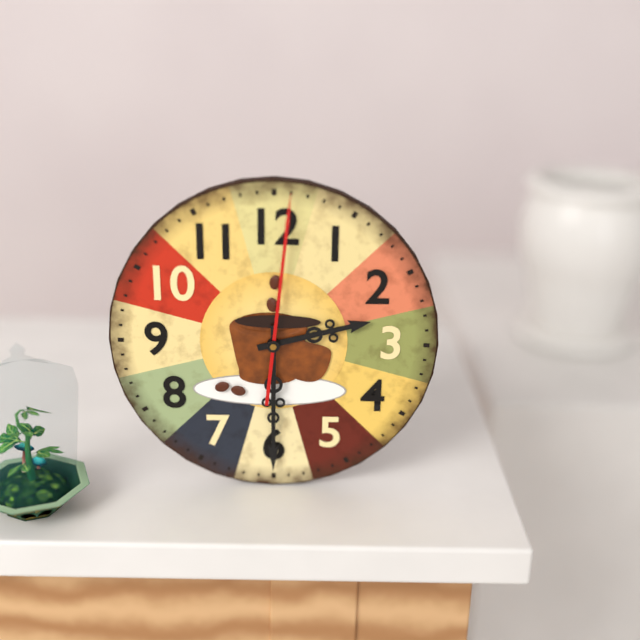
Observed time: 2:30:01
